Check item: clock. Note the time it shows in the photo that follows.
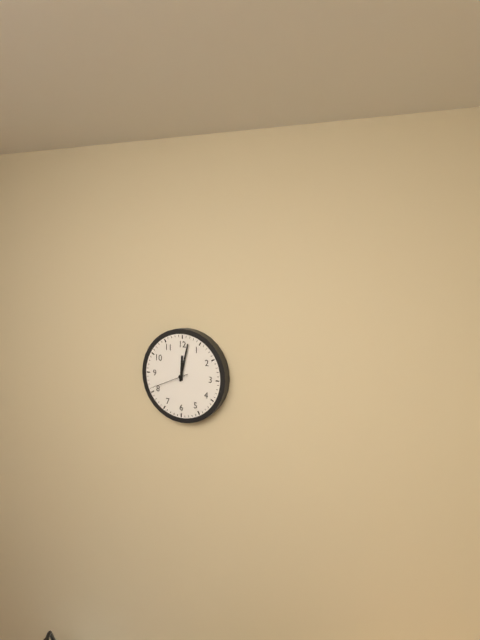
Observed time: 12:02
